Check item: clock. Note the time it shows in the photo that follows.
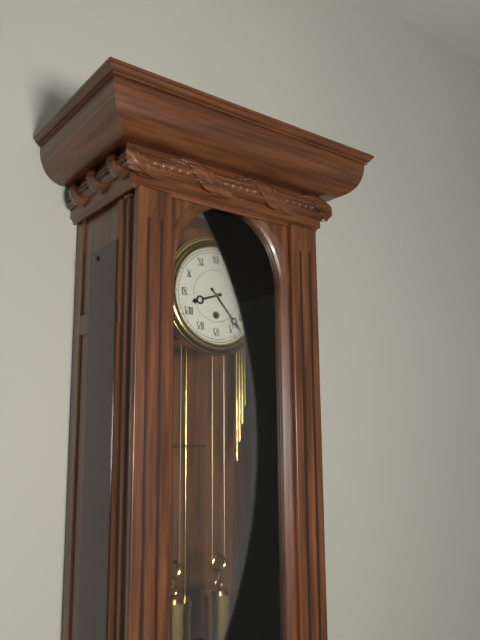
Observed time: 8:23
